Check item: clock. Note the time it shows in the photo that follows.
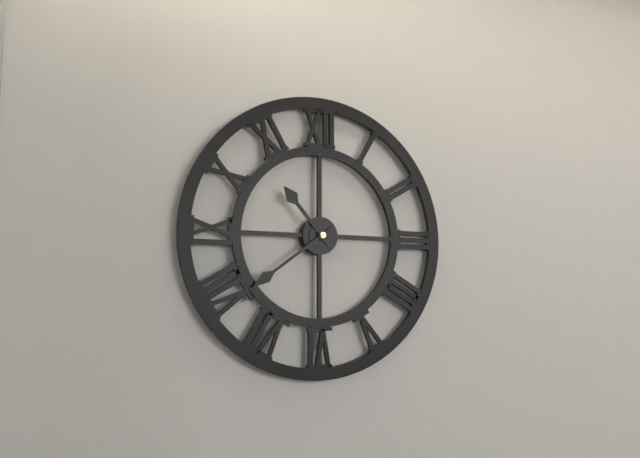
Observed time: 10:39
